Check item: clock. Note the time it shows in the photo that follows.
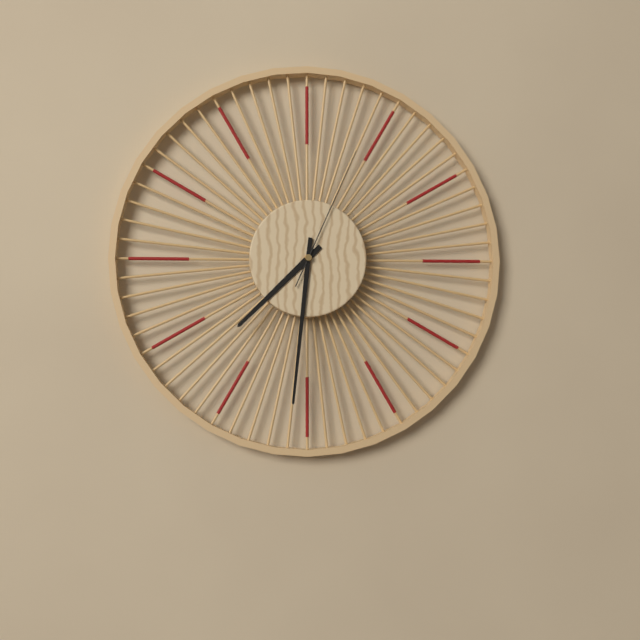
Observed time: 7:31:04
